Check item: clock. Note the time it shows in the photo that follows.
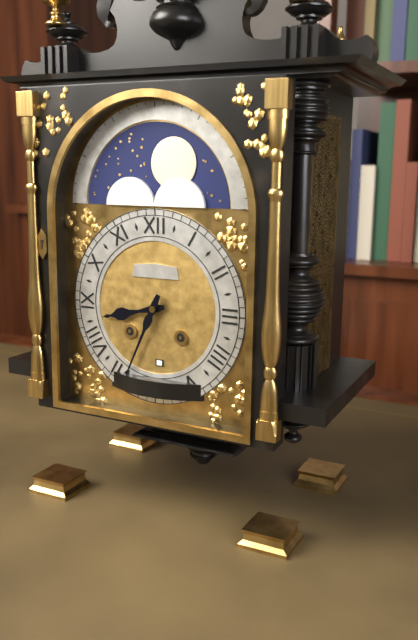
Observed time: 8:34
